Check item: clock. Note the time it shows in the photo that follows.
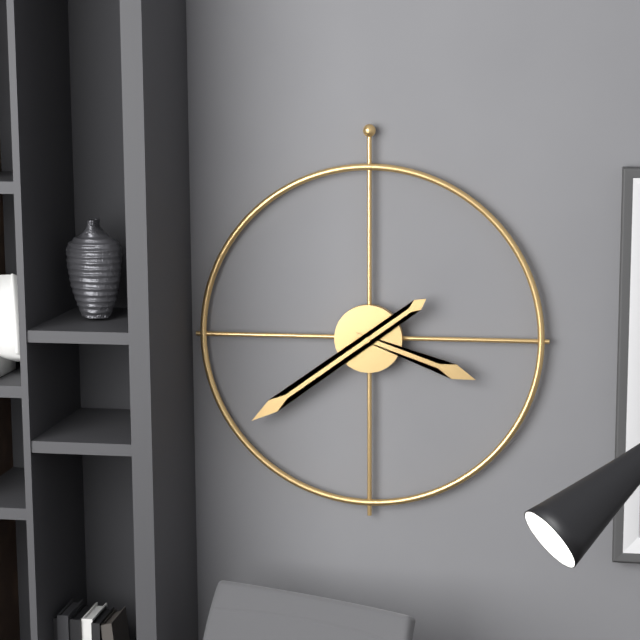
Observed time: 3:39
